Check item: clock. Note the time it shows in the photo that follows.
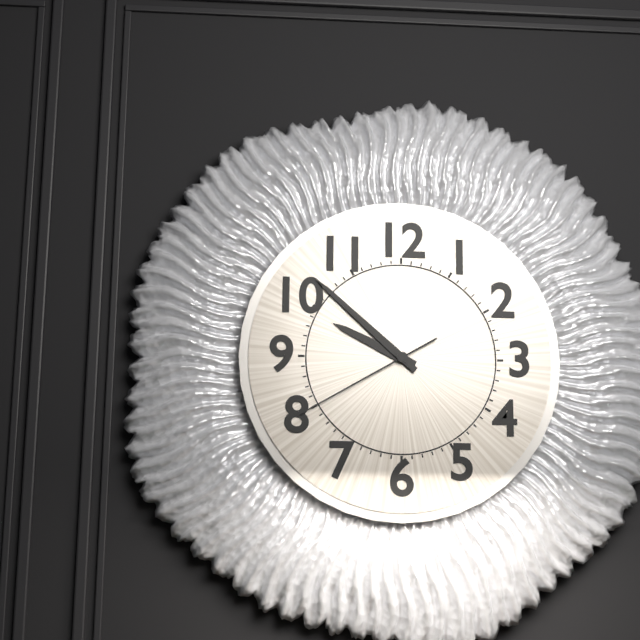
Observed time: 9:52:40
